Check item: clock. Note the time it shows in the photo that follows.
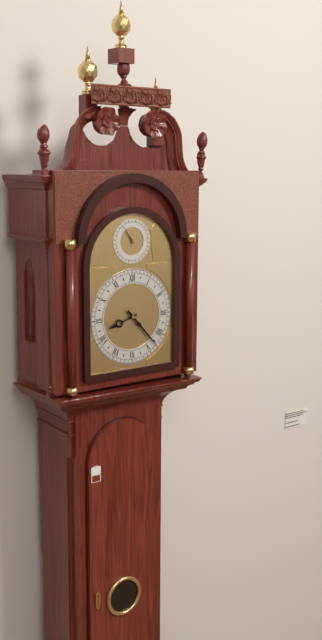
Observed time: 8:23
